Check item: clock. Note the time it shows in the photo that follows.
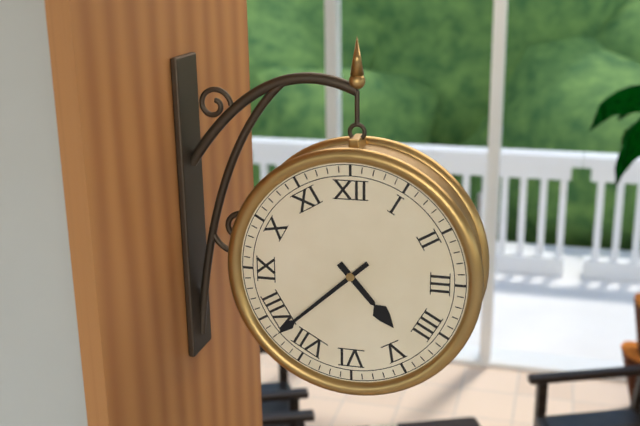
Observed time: 4:38
